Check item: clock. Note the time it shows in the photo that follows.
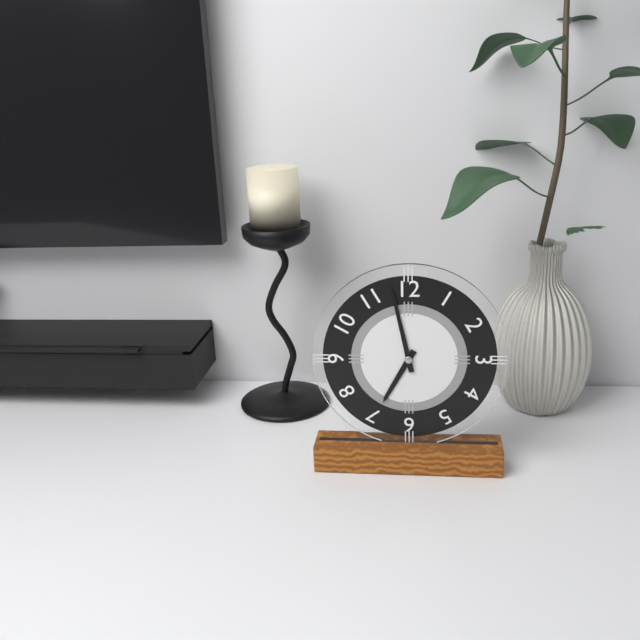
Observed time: 6:58
